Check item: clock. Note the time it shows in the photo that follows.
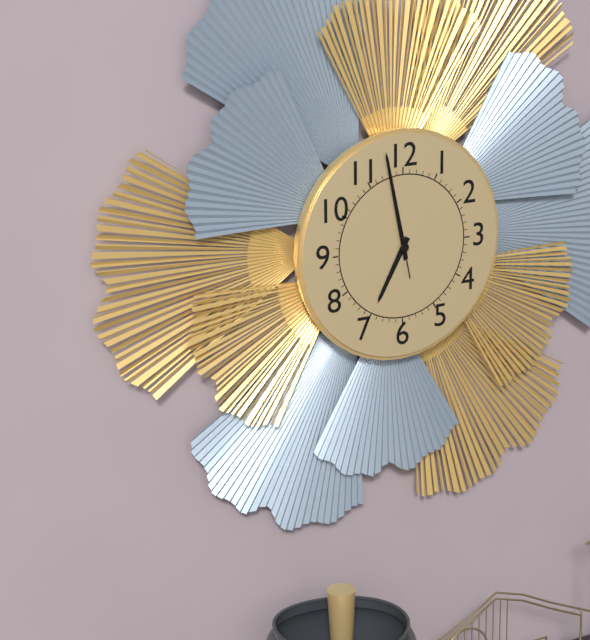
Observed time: 6:58:58
